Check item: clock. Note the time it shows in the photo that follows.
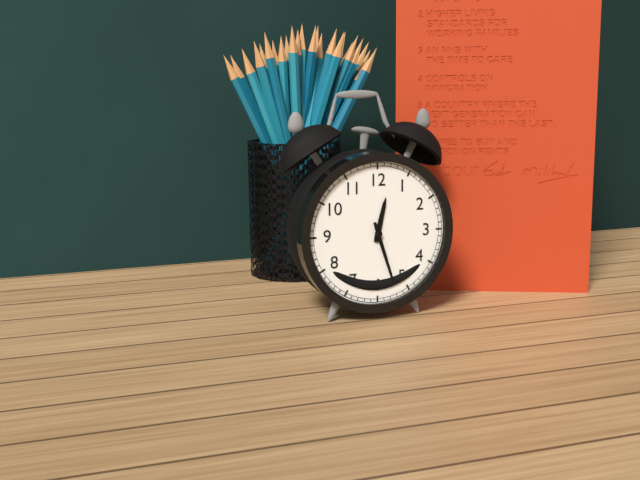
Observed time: 12:27
